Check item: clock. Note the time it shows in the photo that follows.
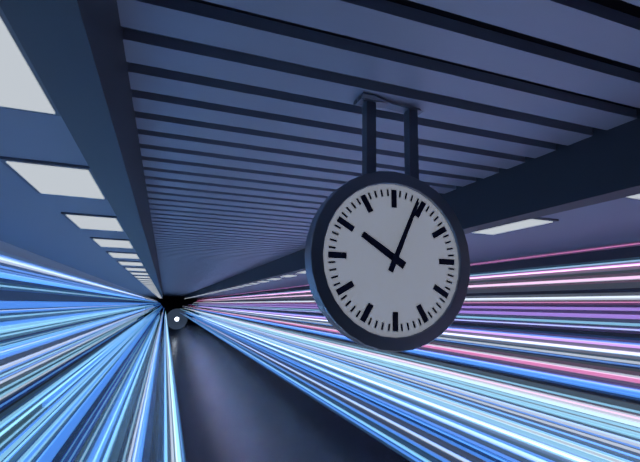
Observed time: 10:04
